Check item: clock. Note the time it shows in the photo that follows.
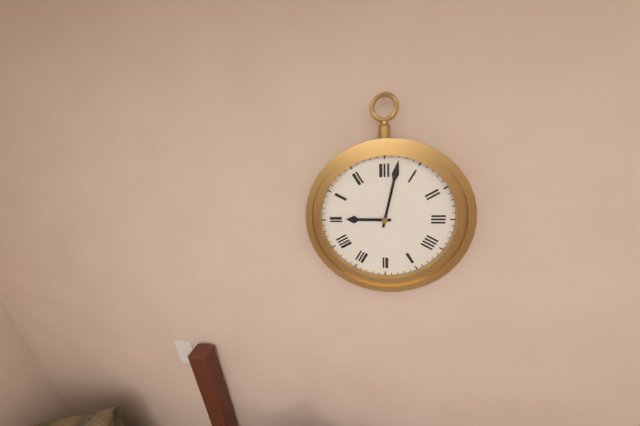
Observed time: 9:02
